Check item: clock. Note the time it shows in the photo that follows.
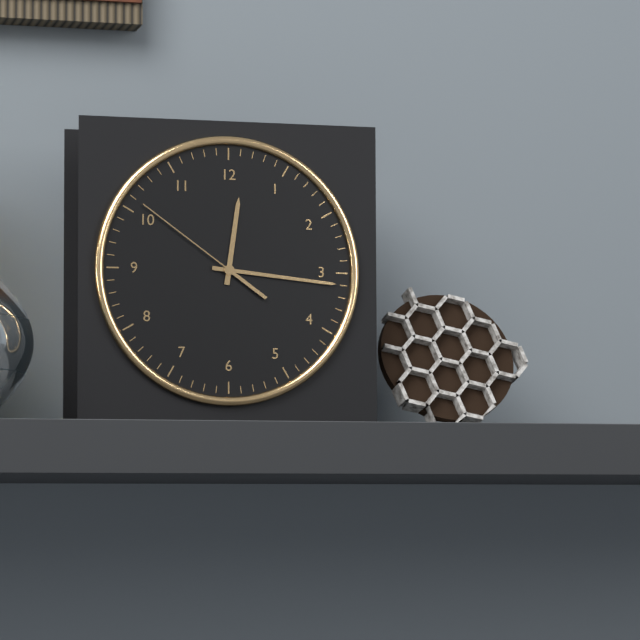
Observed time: 12:16:51
